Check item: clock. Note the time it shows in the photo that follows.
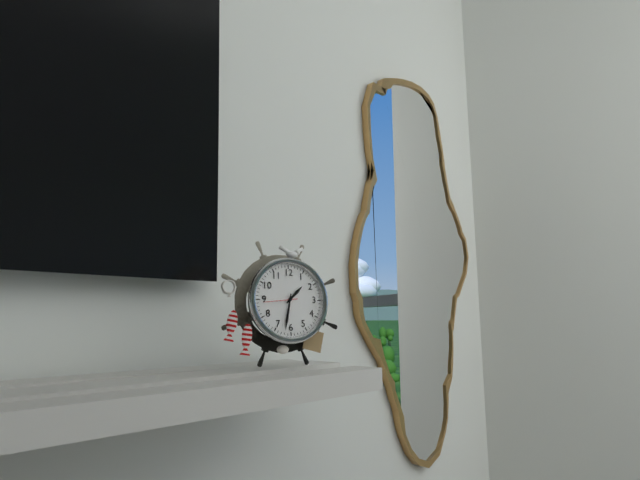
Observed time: 1:32
